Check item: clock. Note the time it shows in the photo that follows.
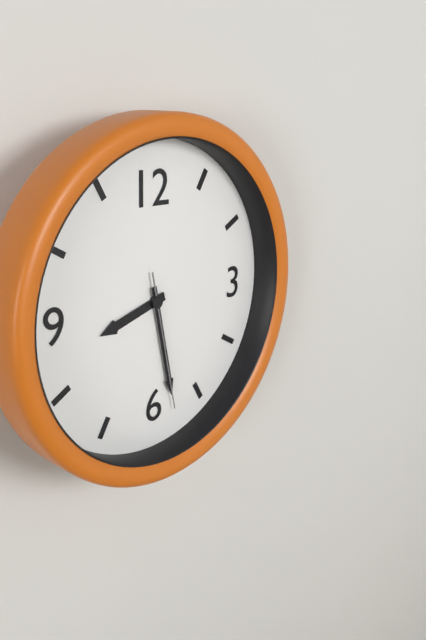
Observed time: 8:28:28
